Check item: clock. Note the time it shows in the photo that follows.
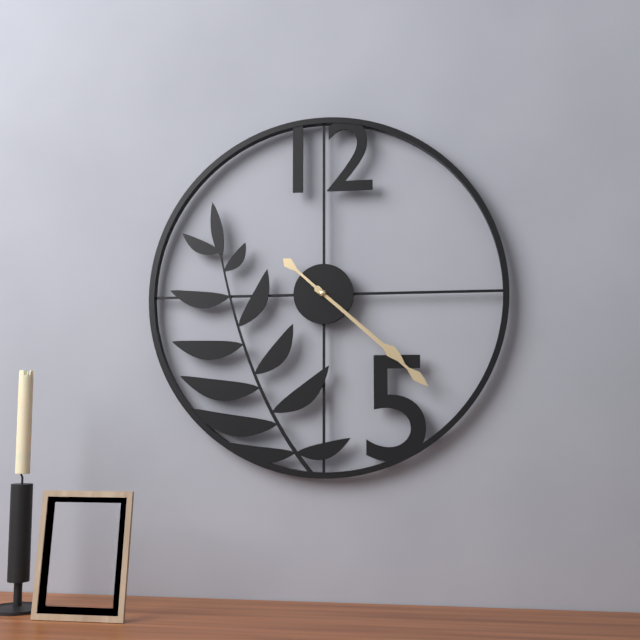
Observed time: 4:22
